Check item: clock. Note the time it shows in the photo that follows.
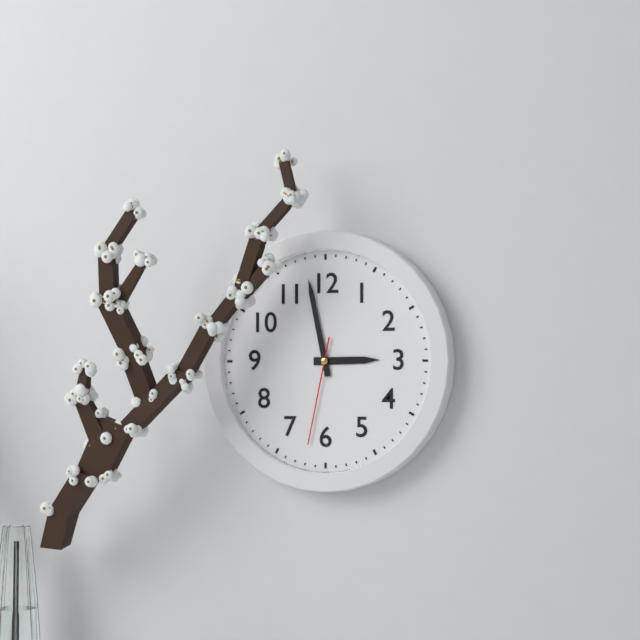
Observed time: 2:58:32
